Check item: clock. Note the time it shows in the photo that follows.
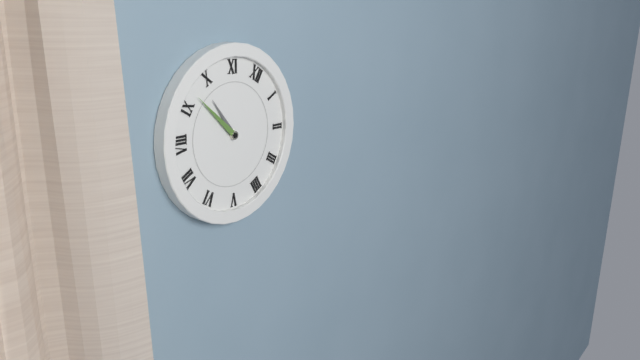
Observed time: 9:47
